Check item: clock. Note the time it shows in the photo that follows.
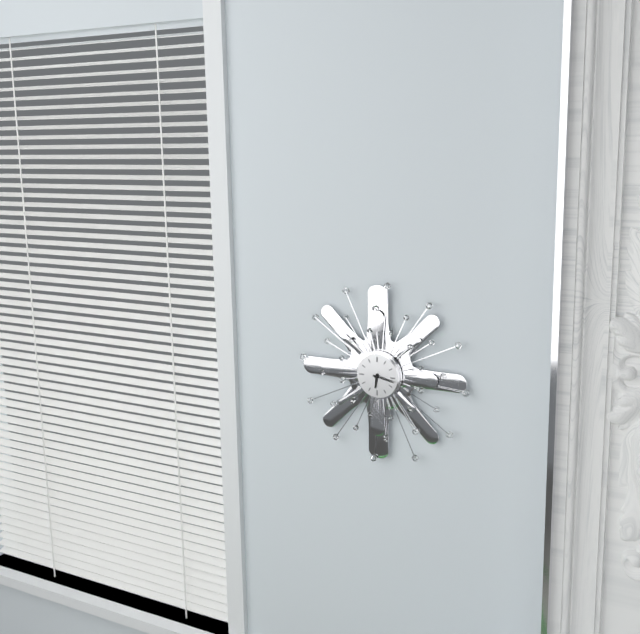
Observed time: 6:17
